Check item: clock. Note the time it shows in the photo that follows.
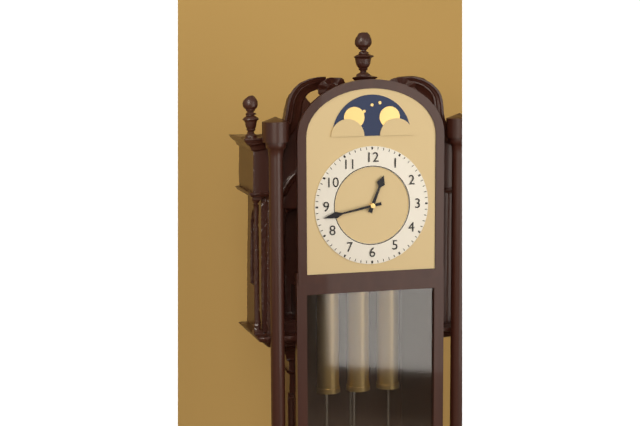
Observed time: 12:43
